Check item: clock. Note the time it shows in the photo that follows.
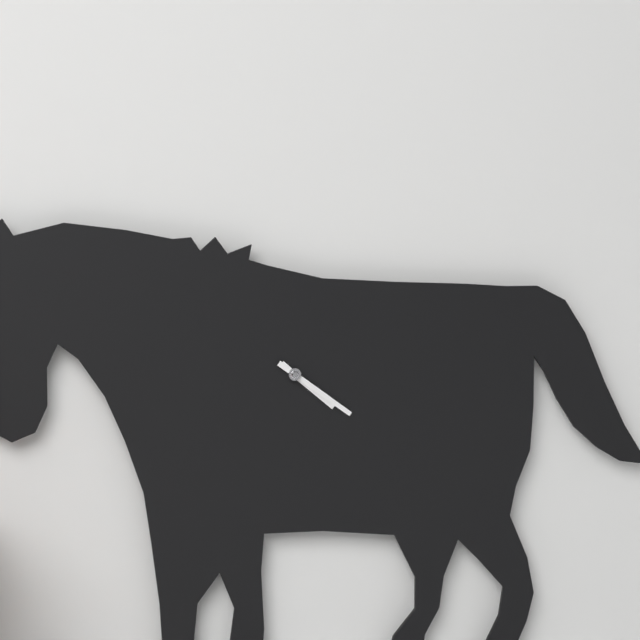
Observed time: 4:21
